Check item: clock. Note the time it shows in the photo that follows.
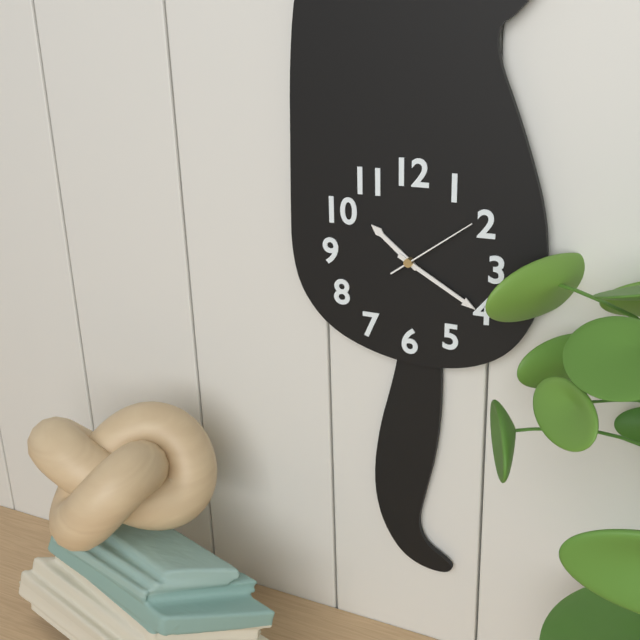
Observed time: 10:20:09
